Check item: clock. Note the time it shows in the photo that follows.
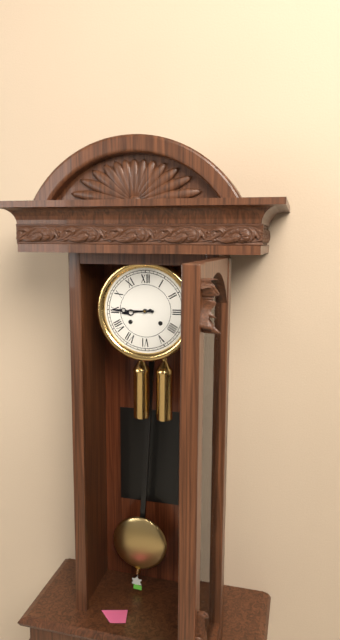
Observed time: 8:45
